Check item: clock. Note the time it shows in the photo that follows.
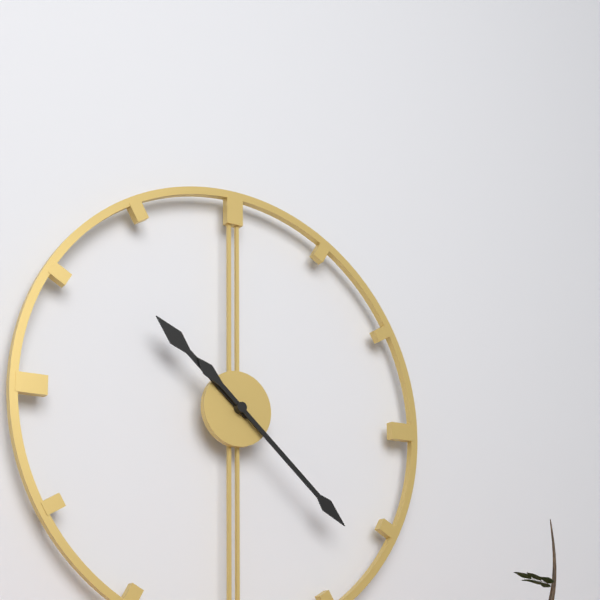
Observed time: 10:22
